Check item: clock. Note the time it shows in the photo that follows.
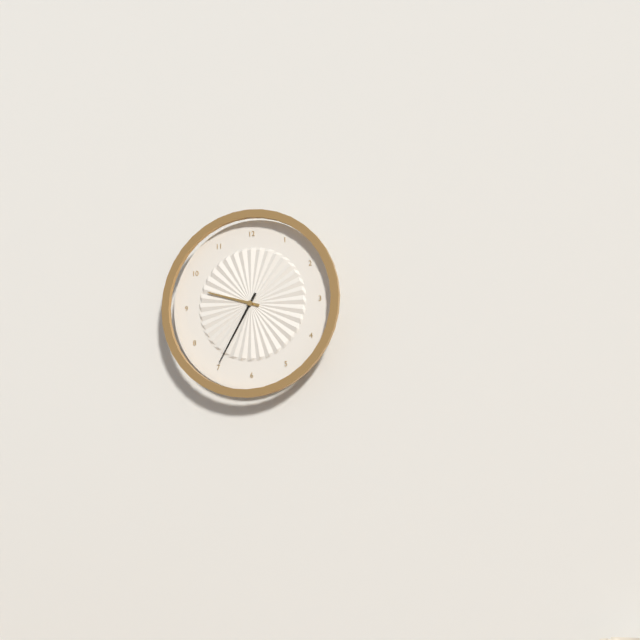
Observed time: 9:35
